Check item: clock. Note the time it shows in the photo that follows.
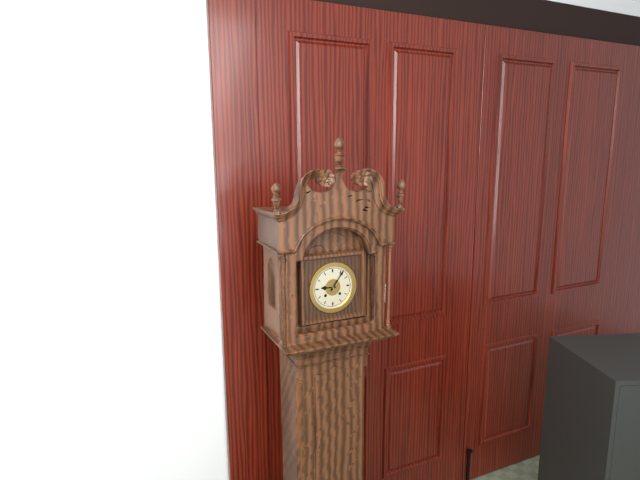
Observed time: 9:06
